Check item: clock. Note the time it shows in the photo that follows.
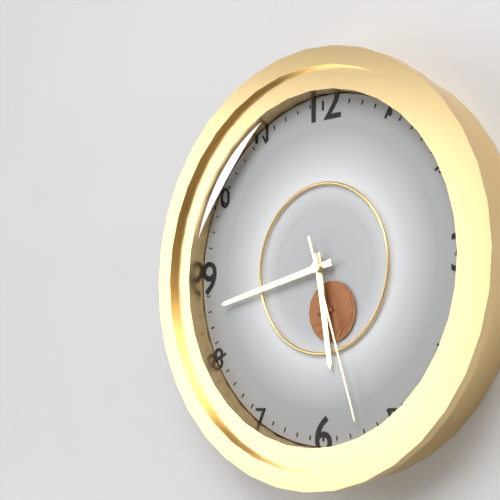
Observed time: 5:43:27
